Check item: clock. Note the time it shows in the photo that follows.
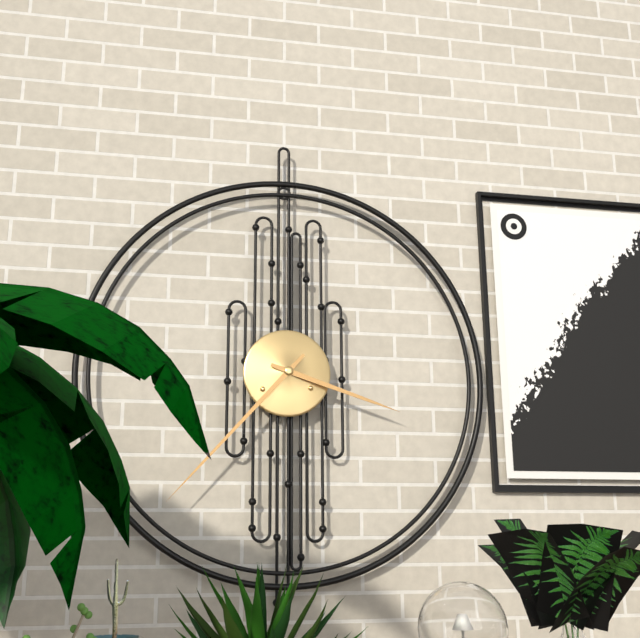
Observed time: 3:37
